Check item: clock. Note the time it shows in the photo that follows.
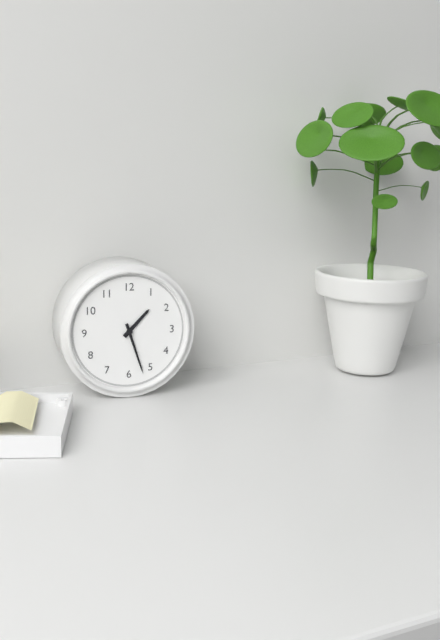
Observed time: 1:27
